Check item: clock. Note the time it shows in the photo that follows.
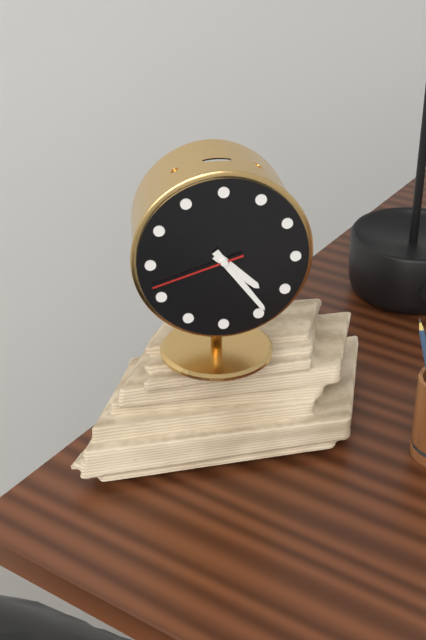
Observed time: 4:24:42
